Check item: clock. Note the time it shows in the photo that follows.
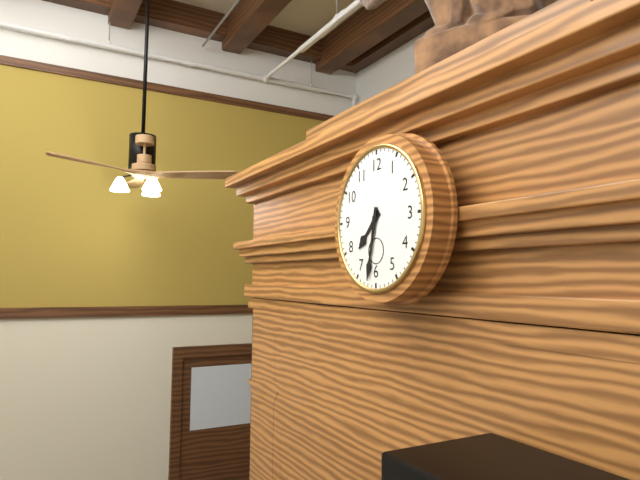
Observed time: 7:32
